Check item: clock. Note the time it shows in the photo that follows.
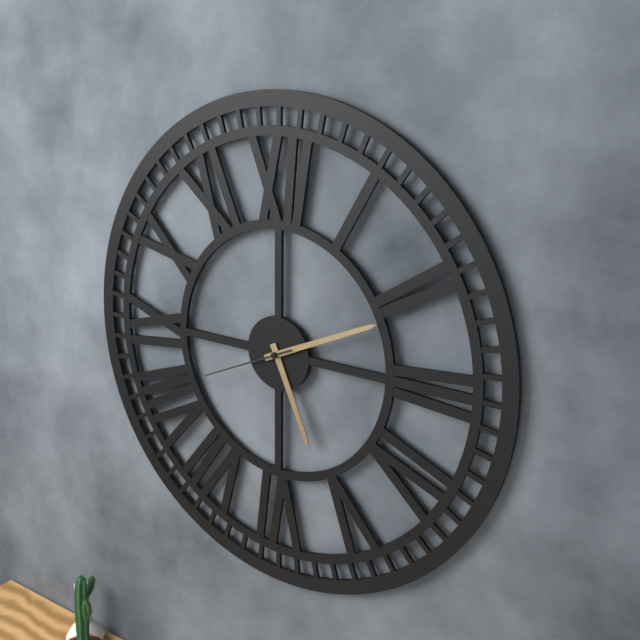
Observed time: 5:11:41
